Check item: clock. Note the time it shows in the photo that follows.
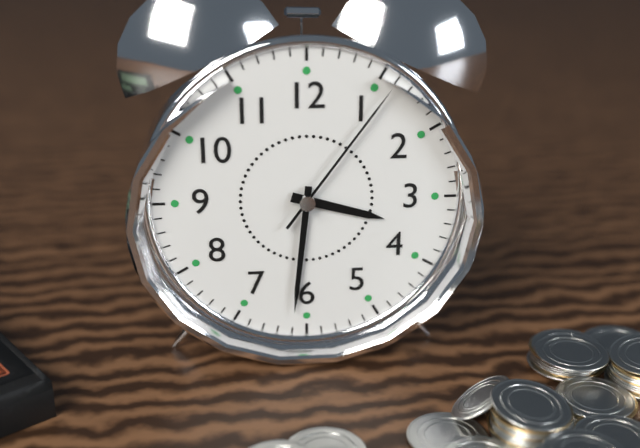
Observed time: 3:31:06
